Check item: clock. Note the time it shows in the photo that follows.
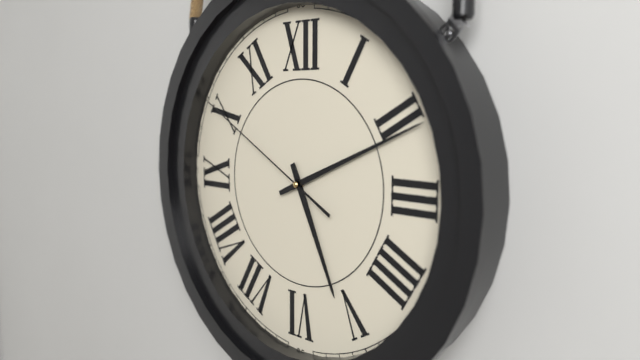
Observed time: 5:11:50
